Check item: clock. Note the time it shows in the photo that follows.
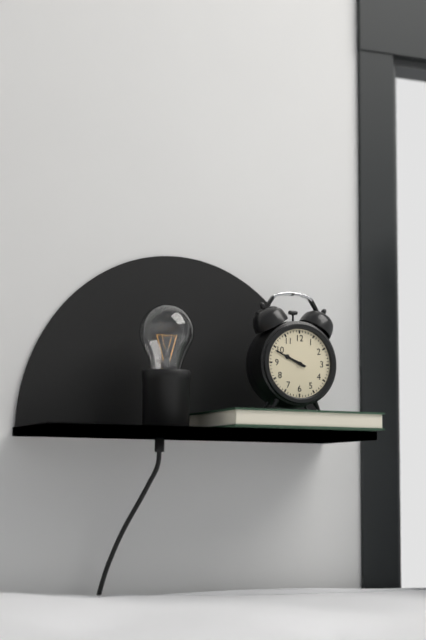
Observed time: 9:49
